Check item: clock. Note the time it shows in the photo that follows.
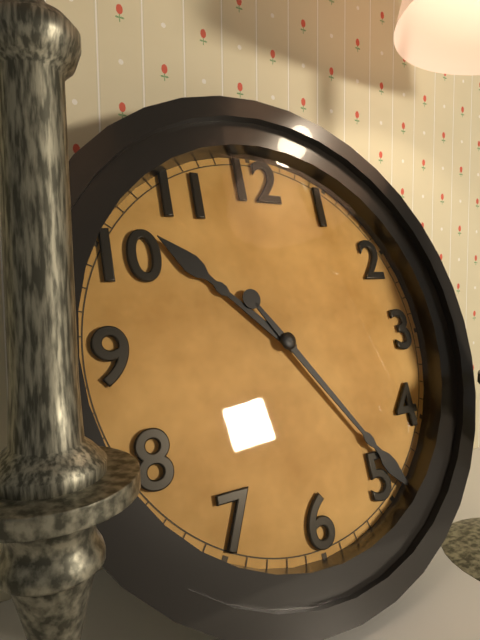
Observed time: 10:24
